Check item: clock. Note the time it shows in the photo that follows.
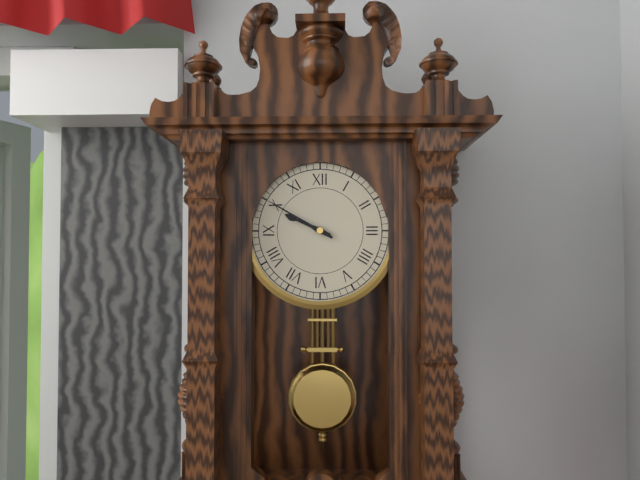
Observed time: 9:50
